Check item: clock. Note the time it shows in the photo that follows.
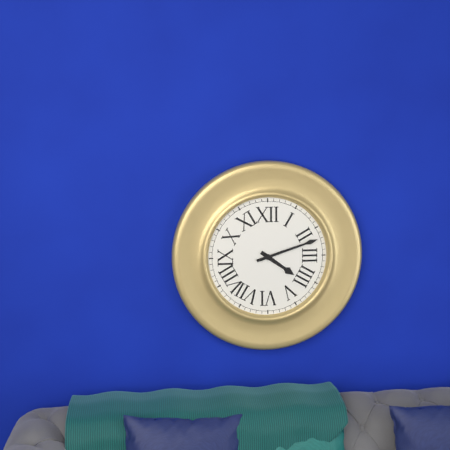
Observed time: 4:12
